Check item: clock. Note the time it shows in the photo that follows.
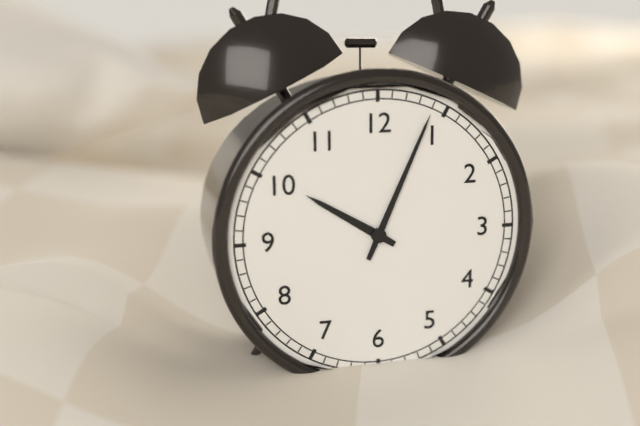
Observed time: 10:04
